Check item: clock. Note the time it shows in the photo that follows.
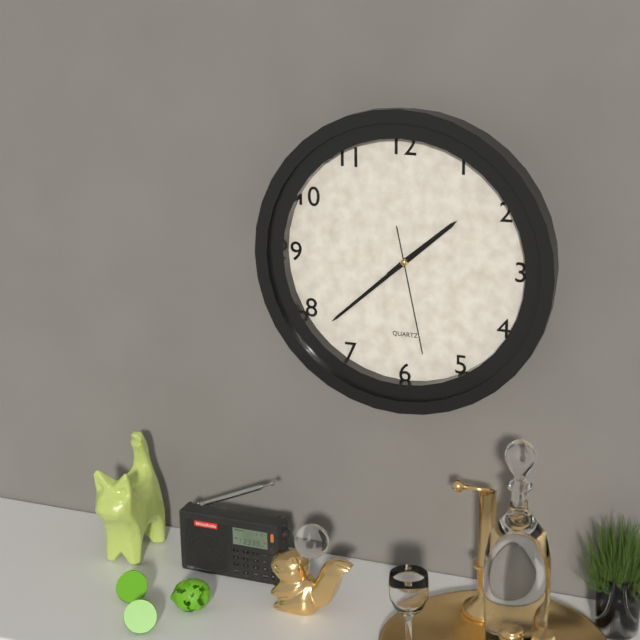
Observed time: 1:38:28
